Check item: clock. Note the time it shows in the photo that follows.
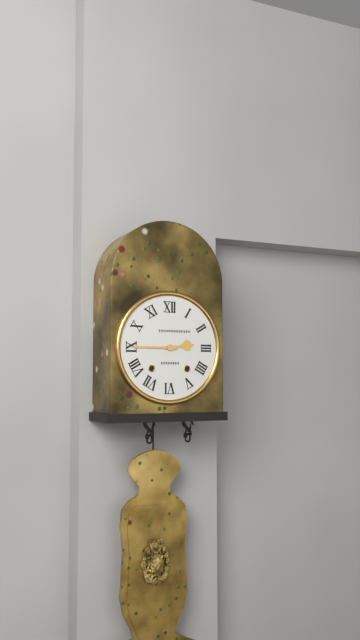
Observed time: 2:45
